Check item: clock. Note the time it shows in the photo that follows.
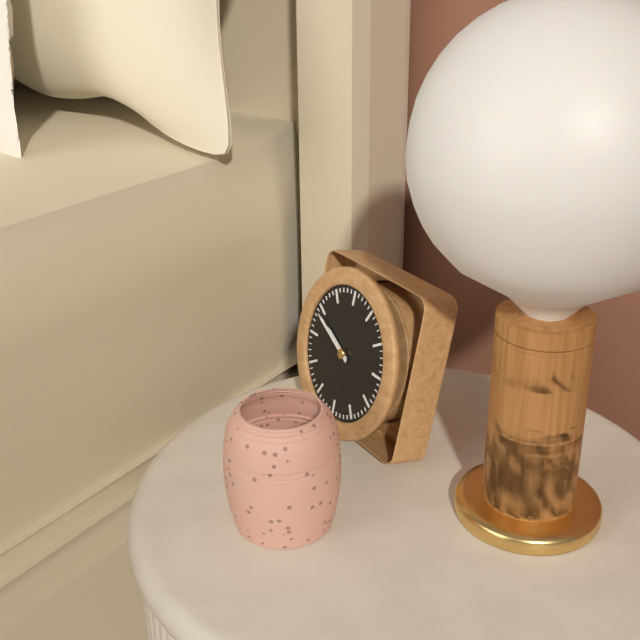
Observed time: 9:49
